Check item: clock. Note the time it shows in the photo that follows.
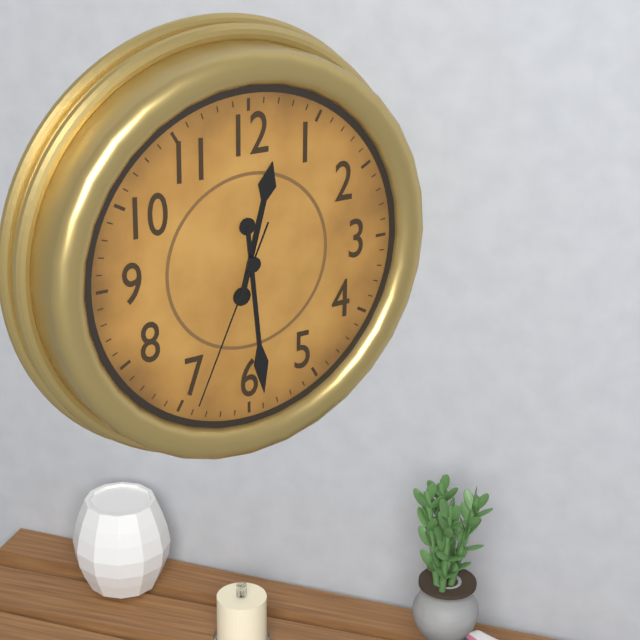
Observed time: 12:29:34
